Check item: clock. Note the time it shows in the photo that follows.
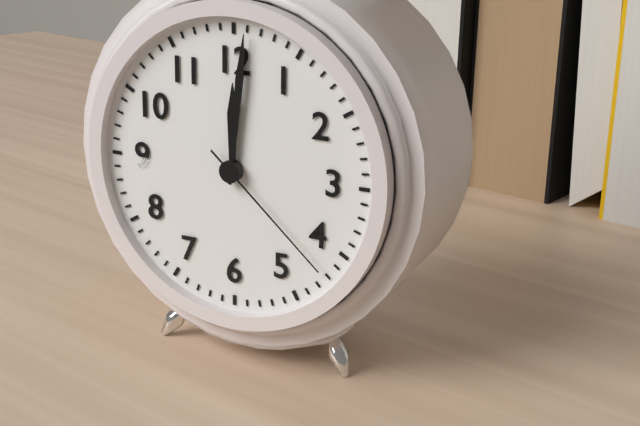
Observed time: 12:01:22
